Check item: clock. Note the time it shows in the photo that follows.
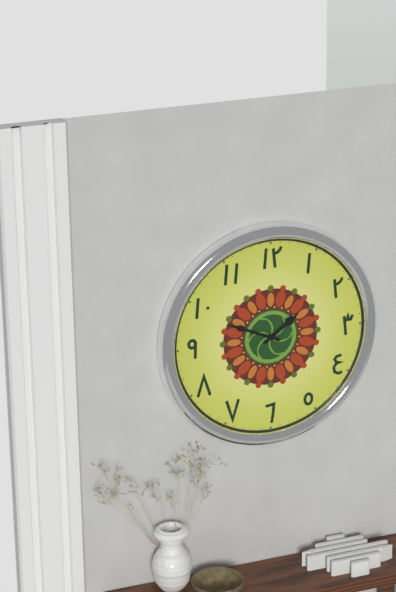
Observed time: 1:49
